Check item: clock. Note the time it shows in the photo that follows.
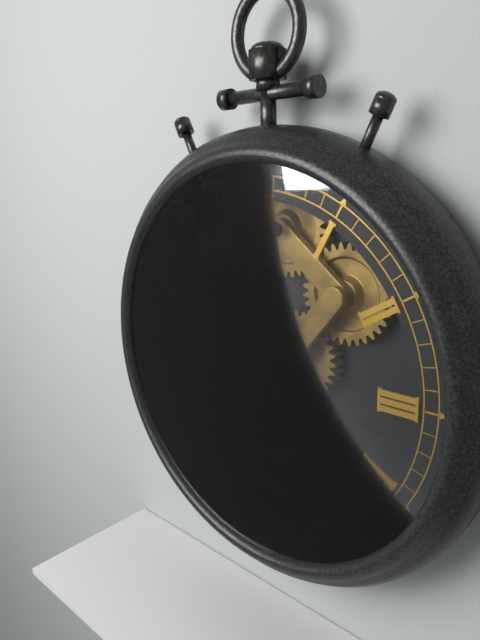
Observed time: 4:36:17
